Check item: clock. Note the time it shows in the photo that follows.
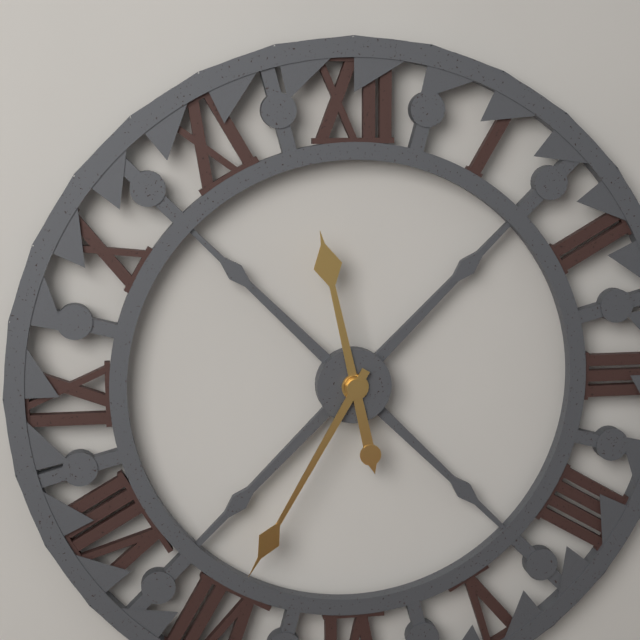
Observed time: 11:35
